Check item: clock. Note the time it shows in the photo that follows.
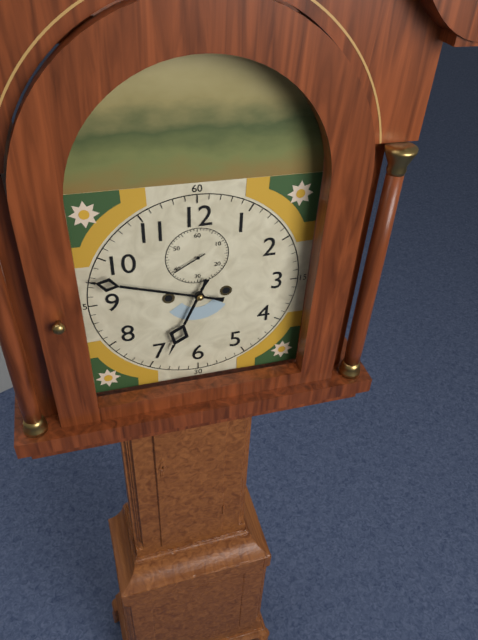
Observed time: 6:48
